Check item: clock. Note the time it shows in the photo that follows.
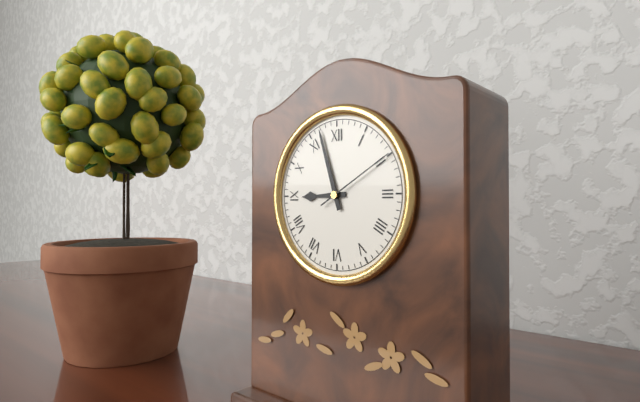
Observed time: 8:57:10
